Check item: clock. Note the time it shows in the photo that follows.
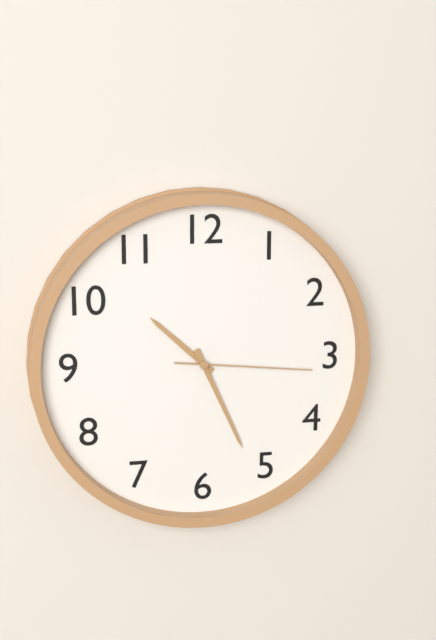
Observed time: 10:26:16
